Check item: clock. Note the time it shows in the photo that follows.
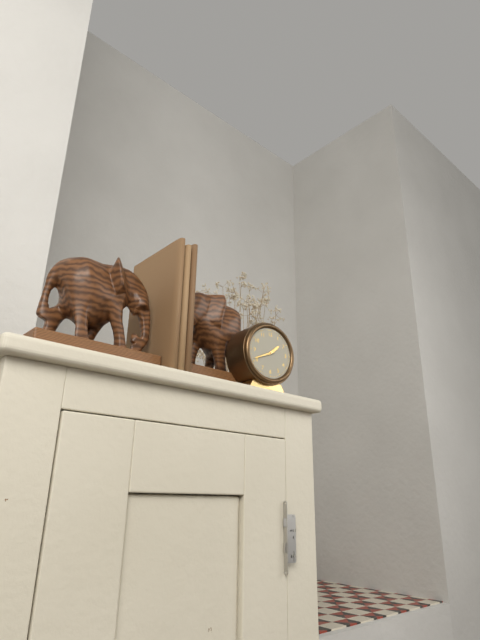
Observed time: 1:41
